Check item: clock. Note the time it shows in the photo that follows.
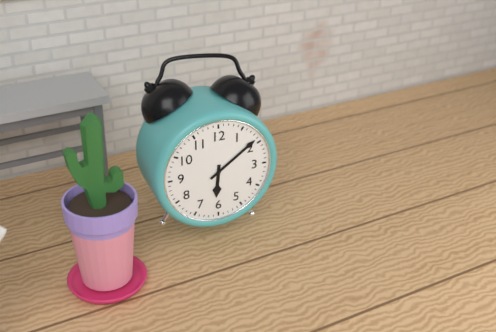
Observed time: 6:09
